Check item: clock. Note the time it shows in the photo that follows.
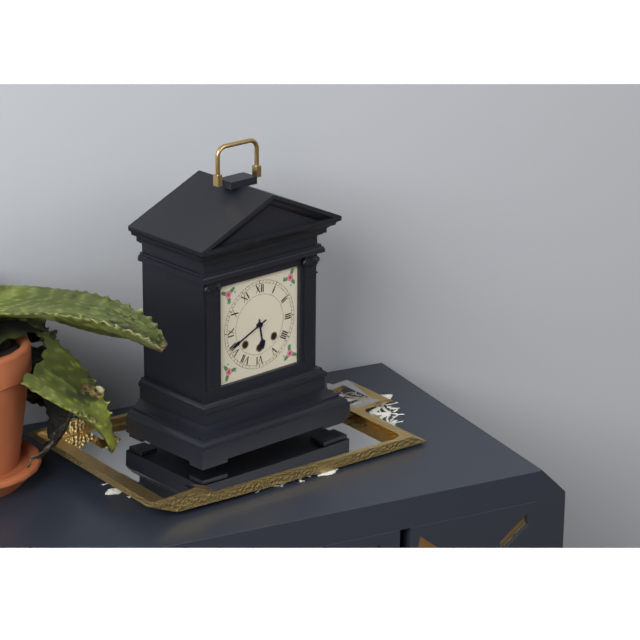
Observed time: 5:41
